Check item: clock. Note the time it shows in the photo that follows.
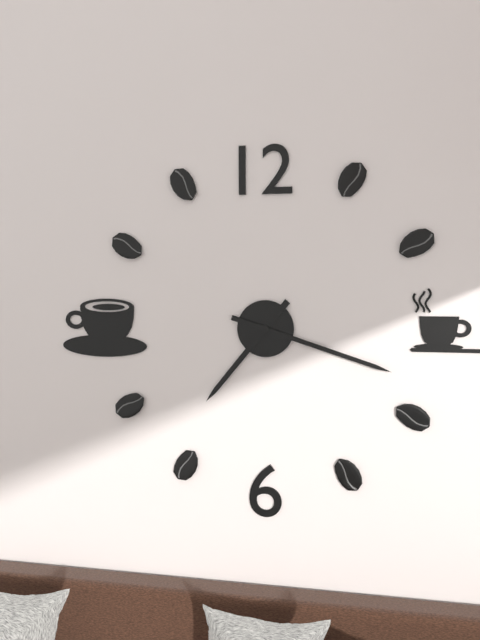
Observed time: 7:18
